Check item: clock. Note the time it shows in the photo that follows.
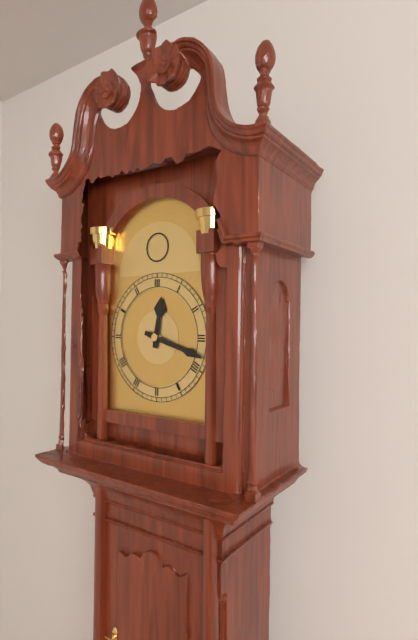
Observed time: 12:18
